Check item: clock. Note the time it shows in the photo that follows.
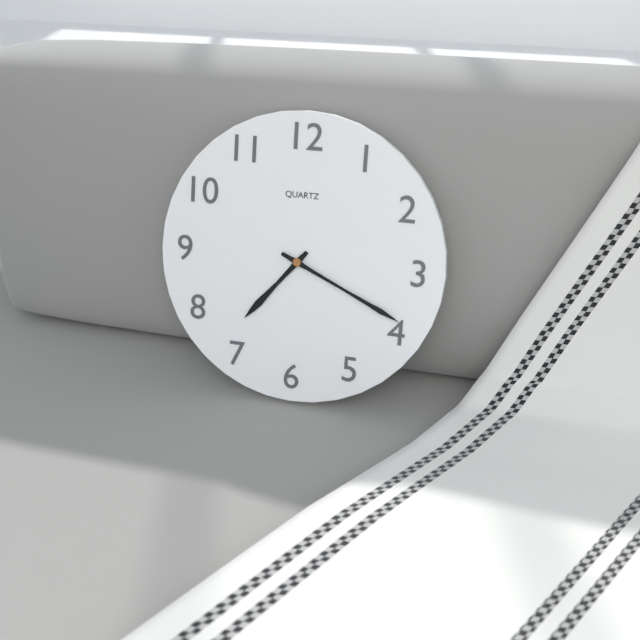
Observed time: 7:19
